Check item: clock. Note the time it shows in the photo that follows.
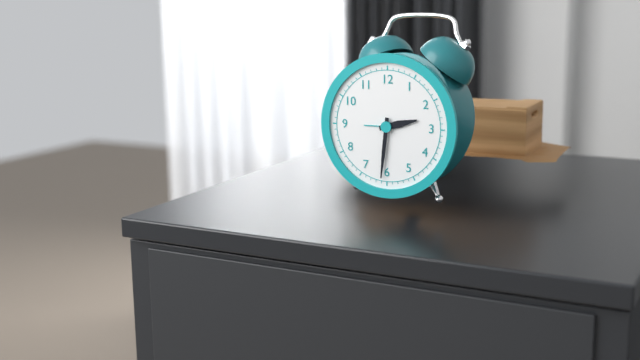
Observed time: 2:31
